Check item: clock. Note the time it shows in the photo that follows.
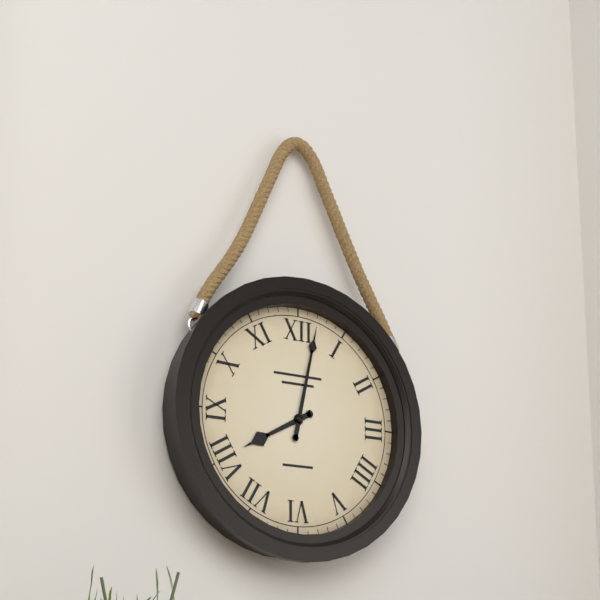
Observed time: 8:02
